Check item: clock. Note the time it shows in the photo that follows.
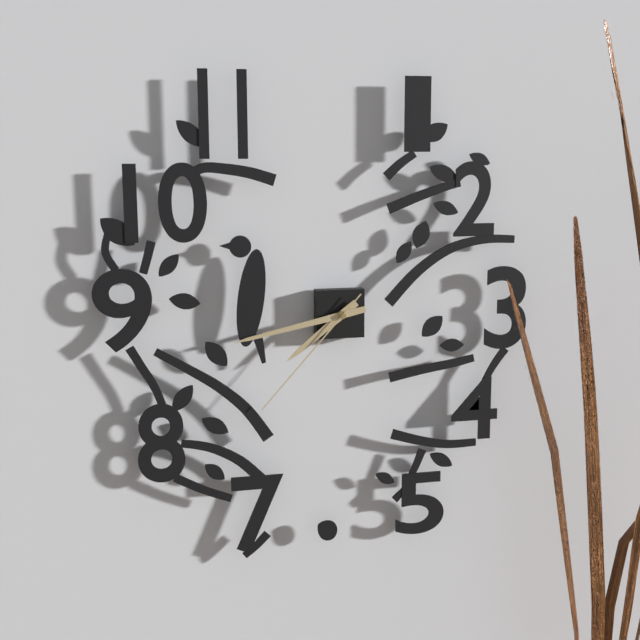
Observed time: 7:43:37
